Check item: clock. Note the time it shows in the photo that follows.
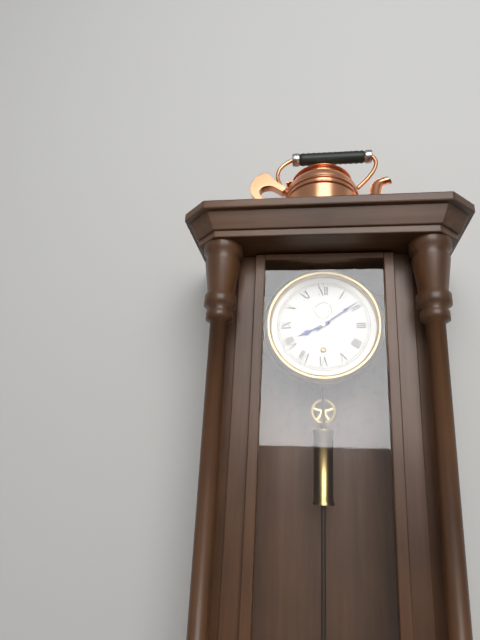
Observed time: 8:09
